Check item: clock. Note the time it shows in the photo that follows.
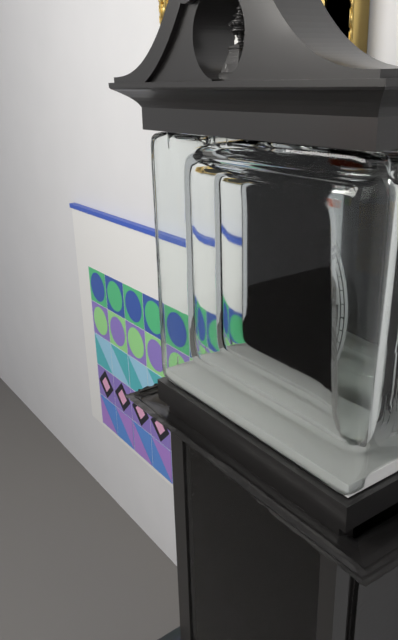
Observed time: 1:56
